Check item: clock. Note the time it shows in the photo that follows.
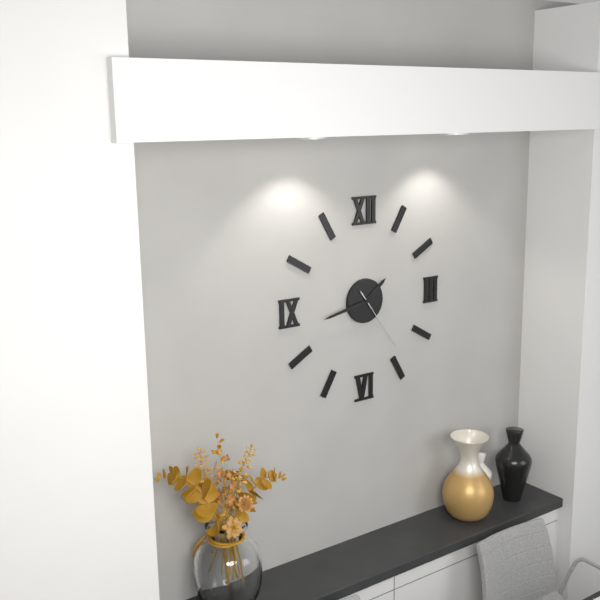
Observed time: 1:43:24
